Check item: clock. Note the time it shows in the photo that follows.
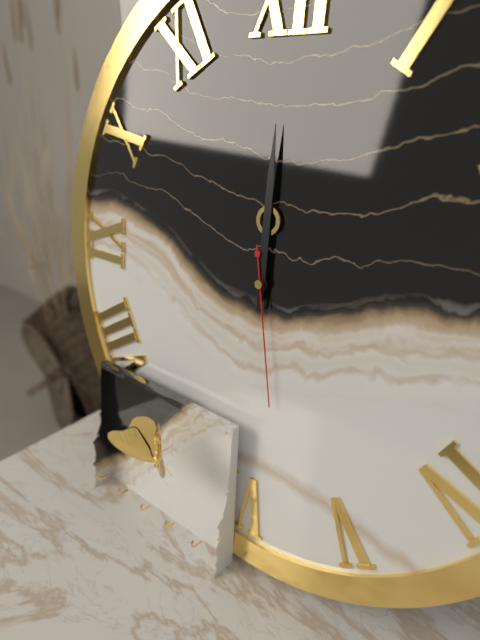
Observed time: 12:00:28
